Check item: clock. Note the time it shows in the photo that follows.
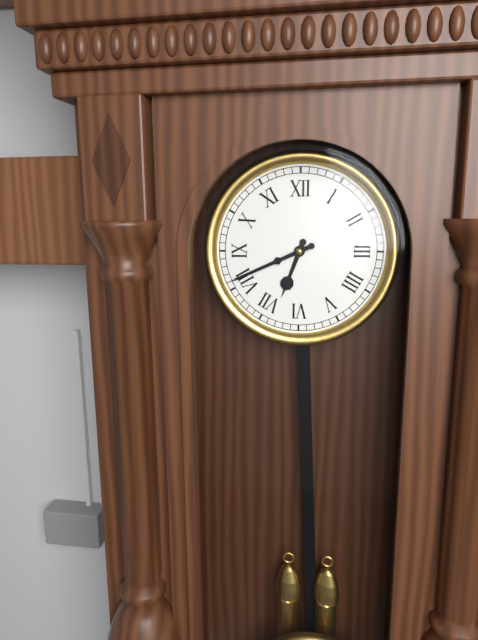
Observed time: 6:41
